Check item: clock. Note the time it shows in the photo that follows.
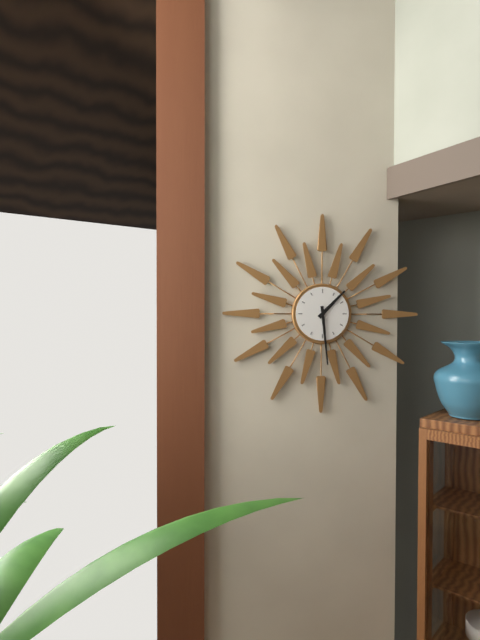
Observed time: 1:29
